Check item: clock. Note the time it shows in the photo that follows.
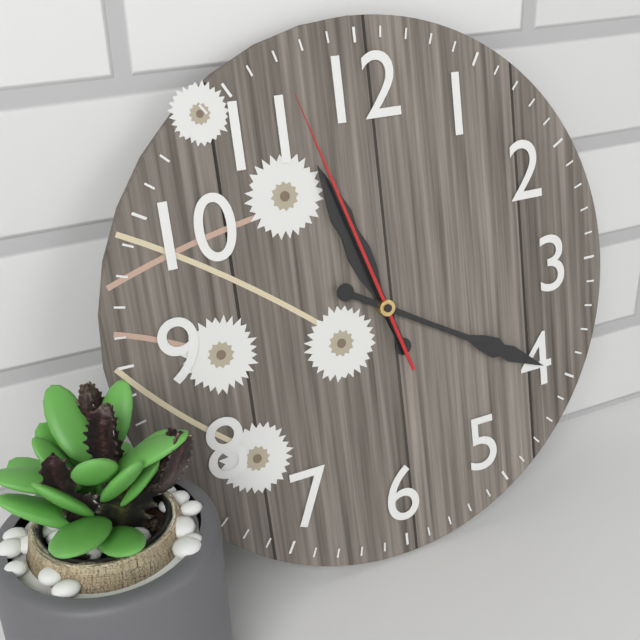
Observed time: 11:20:57
